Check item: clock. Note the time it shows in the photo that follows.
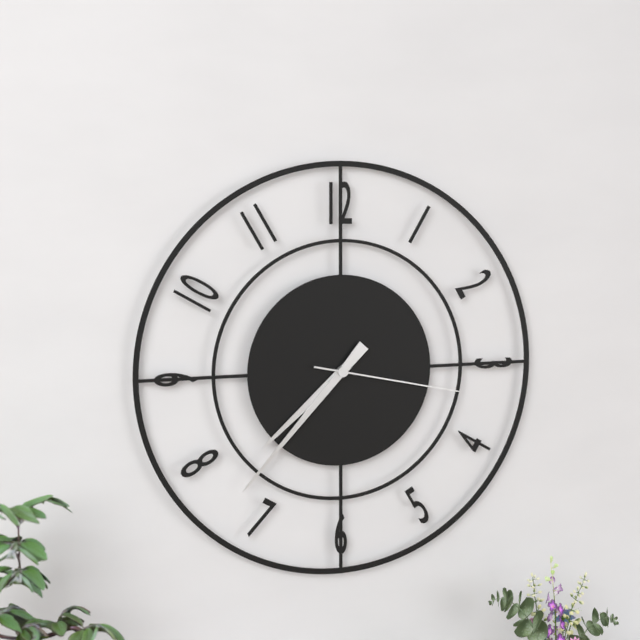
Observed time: 7:37:17
